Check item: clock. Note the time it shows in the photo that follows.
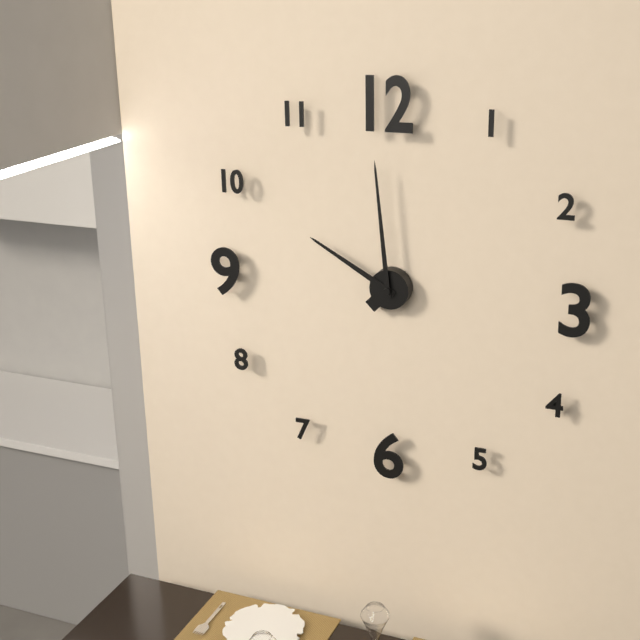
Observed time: 9:59
